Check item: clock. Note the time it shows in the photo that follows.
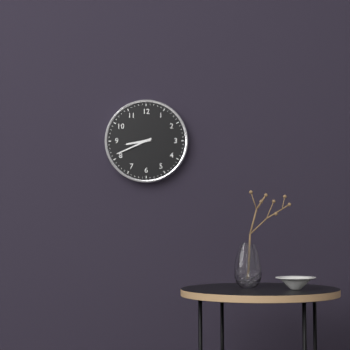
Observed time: 8:41
